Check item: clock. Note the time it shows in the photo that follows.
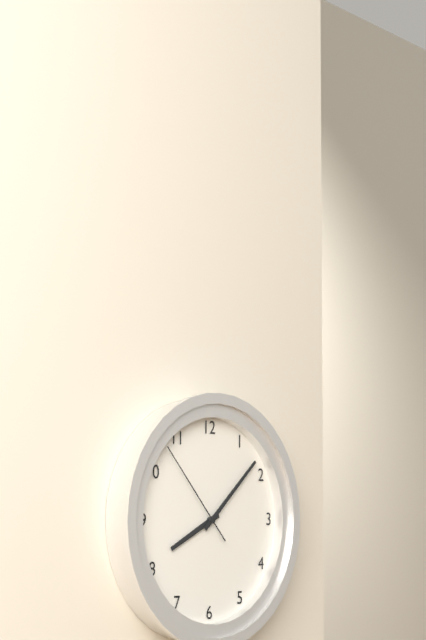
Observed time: 8:08:53
